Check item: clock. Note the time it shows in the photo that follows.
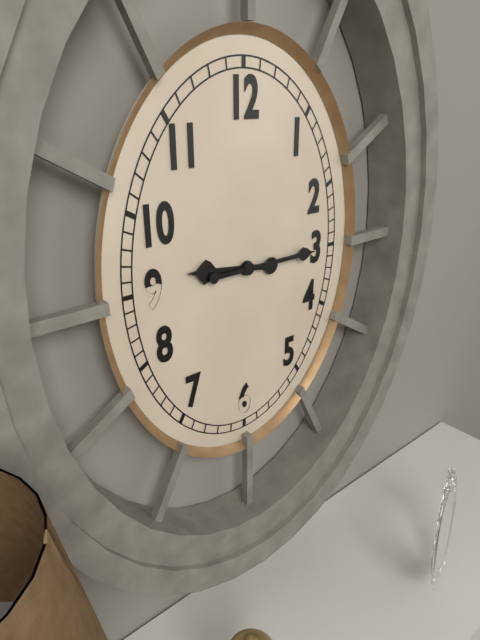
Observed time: 9:15
